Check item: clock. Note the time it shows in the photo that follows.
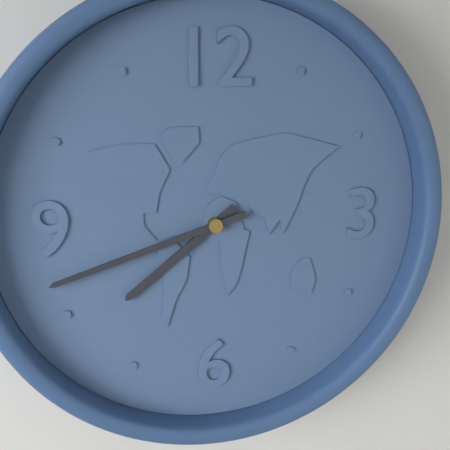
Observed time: 7:42
